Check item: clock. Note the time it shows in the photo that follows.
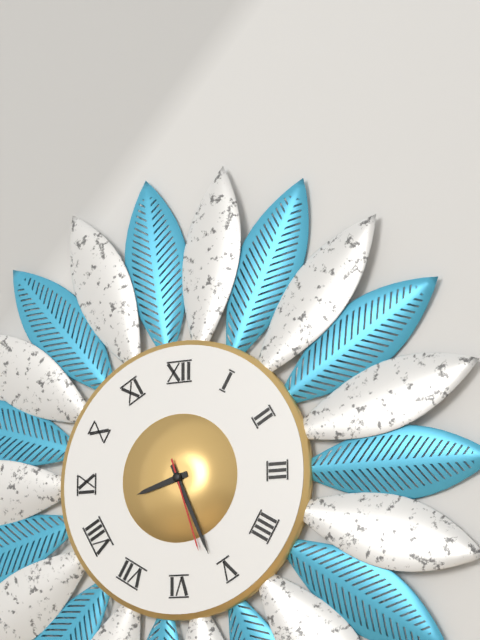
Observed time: 8:26:27
